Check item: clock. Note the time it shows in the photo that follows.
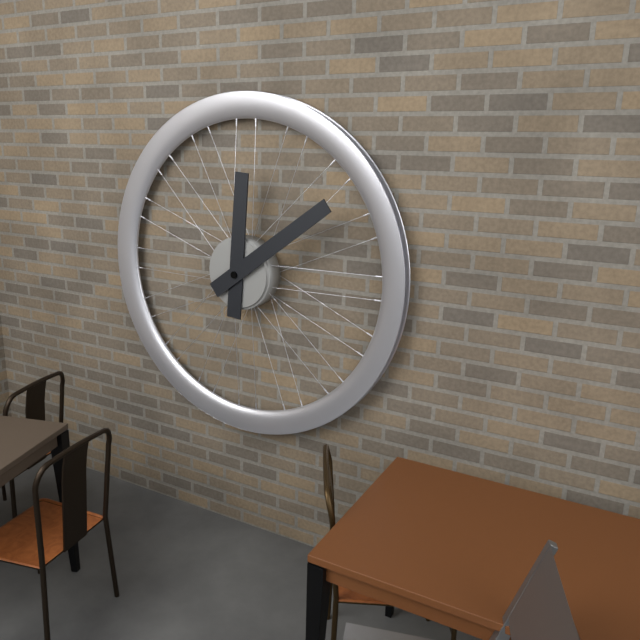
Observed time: 12:09
